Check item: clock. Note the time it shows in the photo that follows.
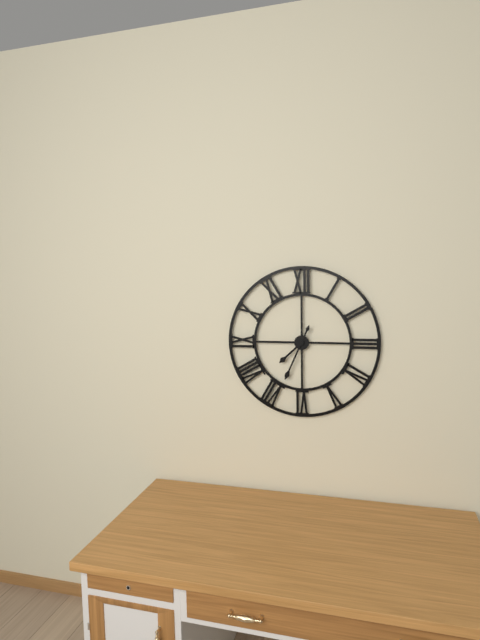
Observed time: 7:34
